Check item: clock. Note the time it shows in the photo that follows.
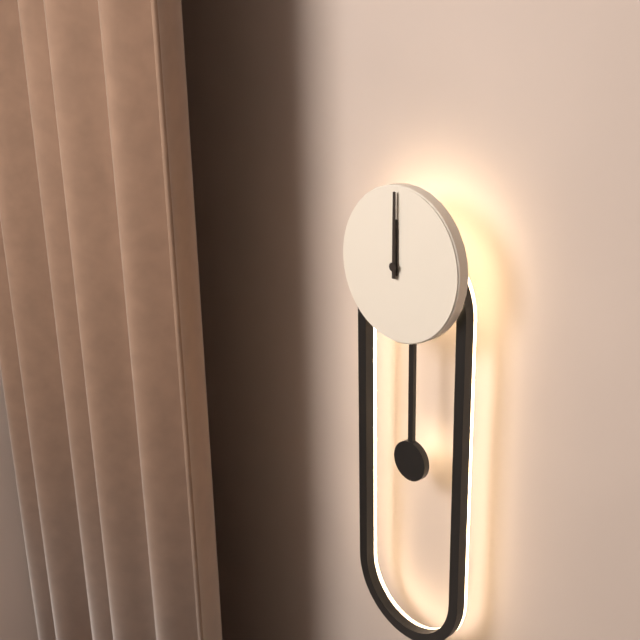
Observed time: 12:00
